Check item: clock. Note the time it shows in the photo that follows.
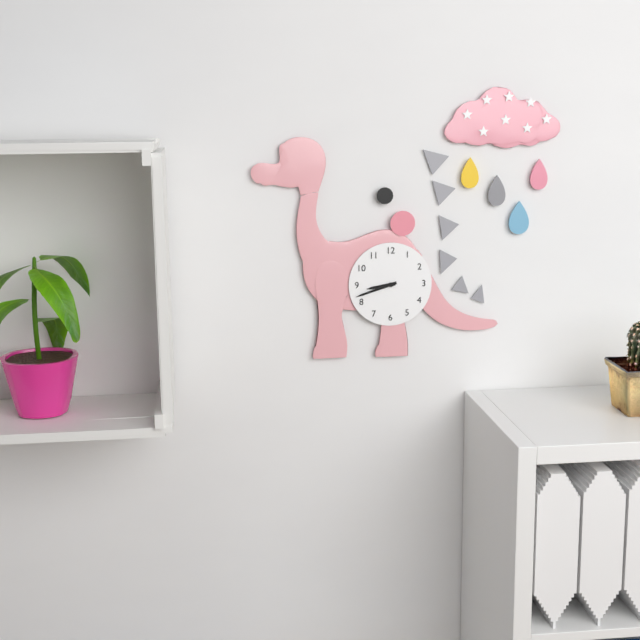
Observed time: 8:42
